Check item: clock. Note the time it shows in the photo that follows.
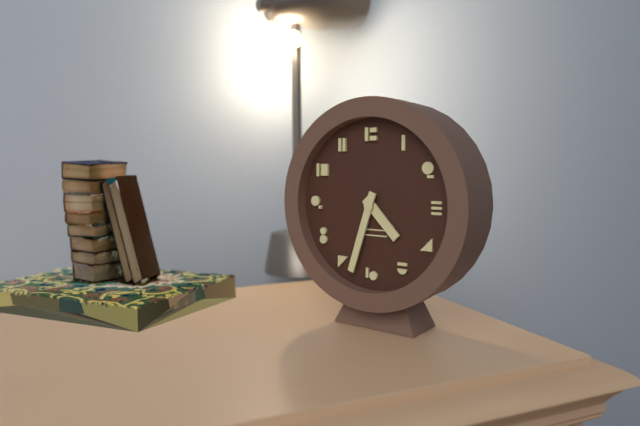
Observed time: 4:33
